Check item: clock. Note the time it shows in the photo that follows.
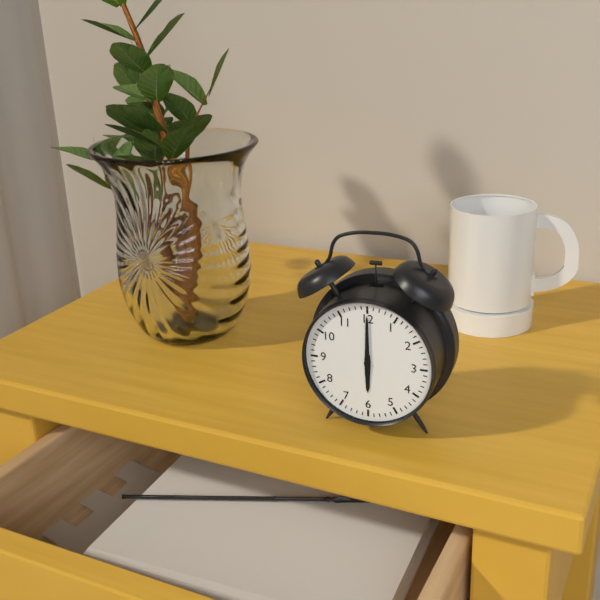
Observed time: 6:00
